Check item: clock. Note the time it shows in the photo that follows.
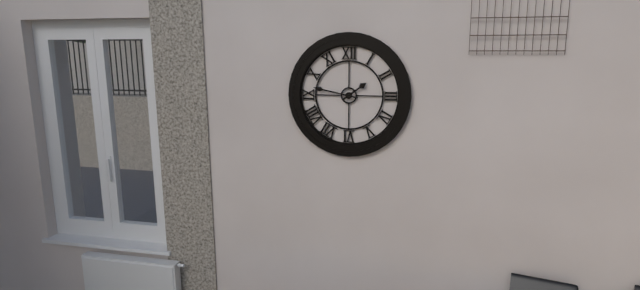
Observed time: 1:47
